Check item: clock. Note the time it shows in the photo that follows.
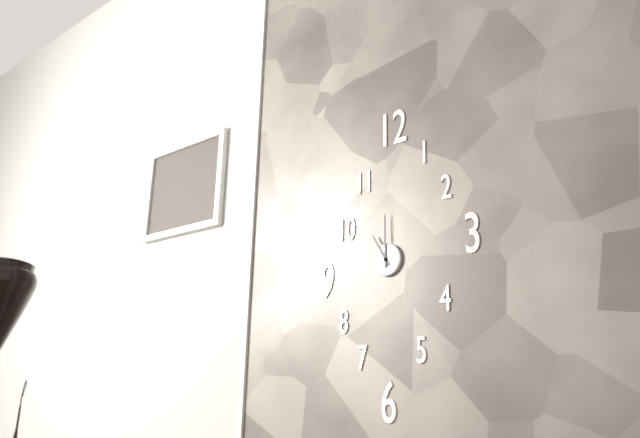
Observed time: 11:00
